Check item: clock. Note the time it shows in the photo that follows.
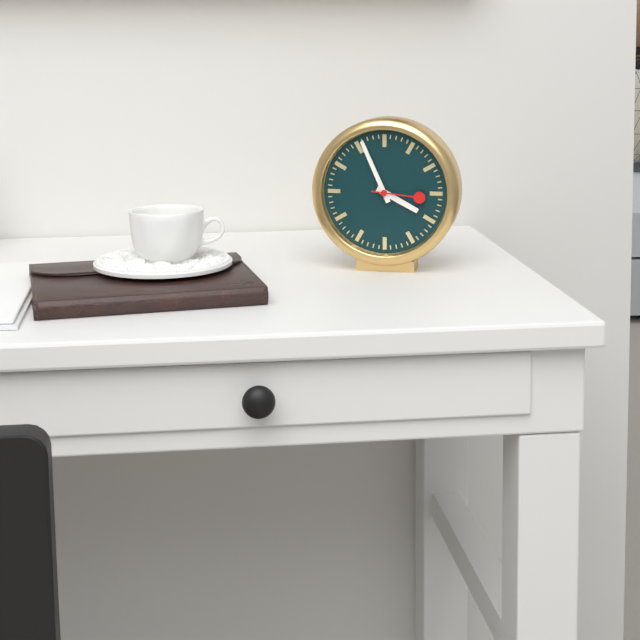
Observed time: 3:56
